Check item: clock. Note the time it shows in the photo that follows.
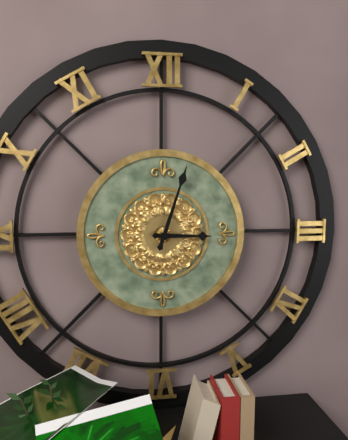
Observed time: 3:03
